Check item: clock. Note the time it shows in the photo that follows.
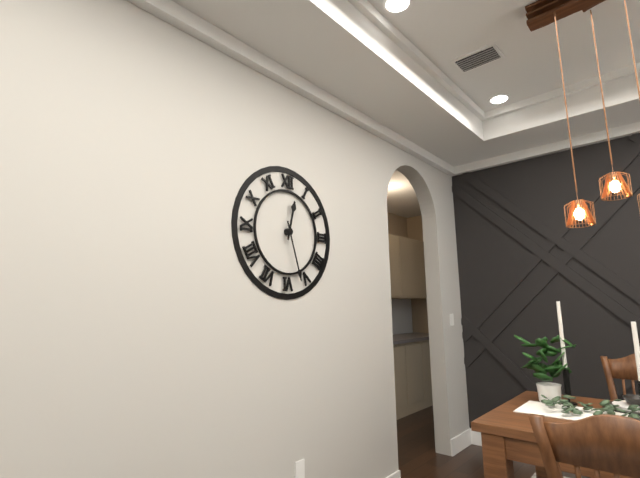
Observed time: 12:27
